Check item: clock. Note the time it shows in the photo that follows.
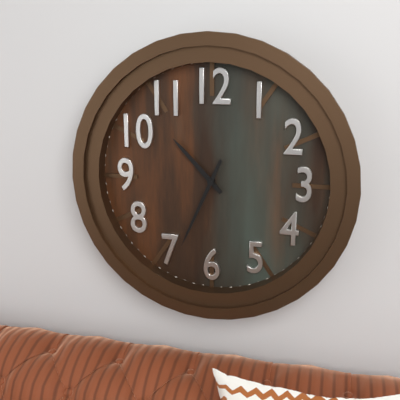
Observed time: 10:34
